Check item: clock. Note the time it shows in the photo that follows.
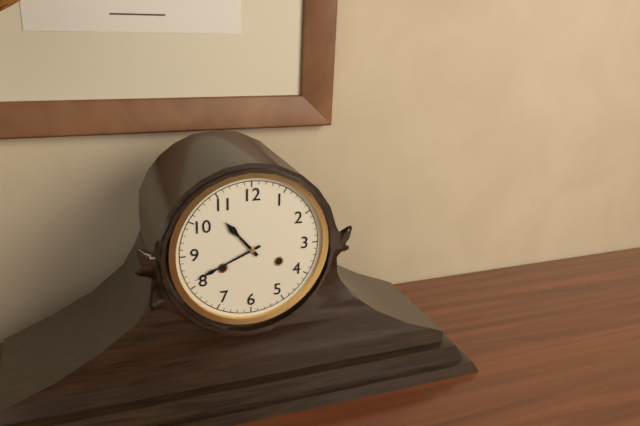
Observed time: 10:41
